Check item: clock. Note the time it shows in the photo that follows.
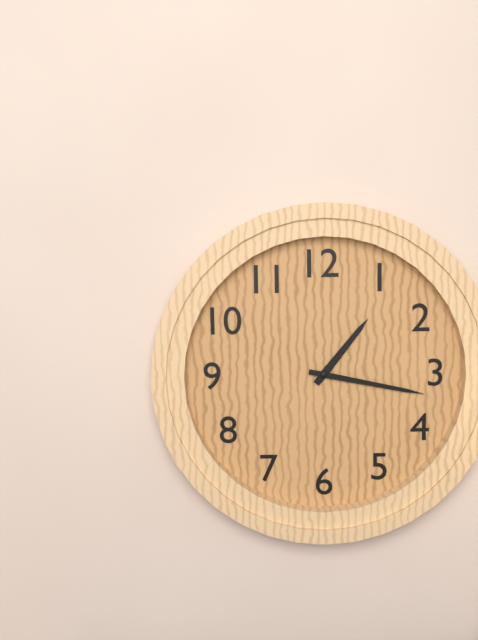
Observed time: 1:17
